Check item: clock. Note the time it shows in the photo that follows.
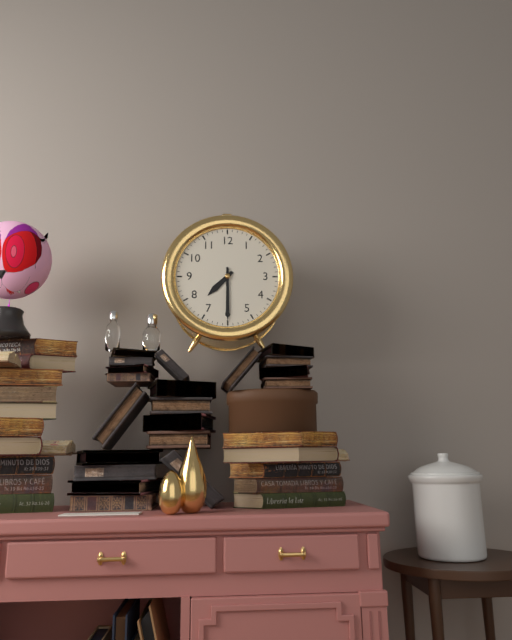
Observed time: 7:30
